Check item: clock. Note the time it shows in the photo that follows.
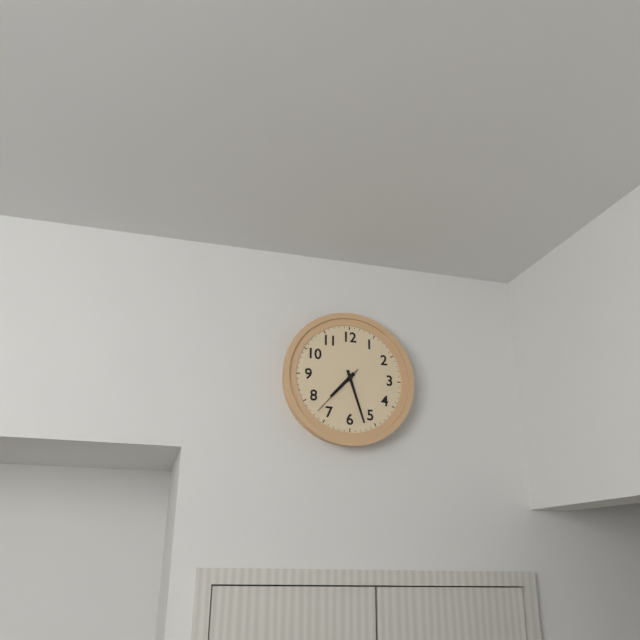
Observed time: 7:27:37
